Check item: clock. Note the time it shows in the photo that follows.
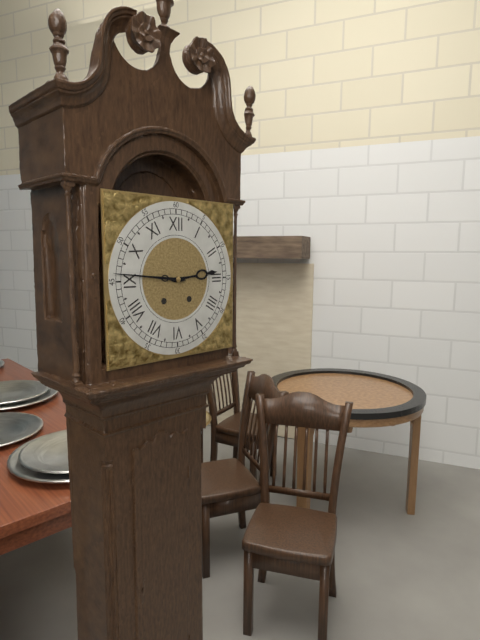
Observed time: 2:46
